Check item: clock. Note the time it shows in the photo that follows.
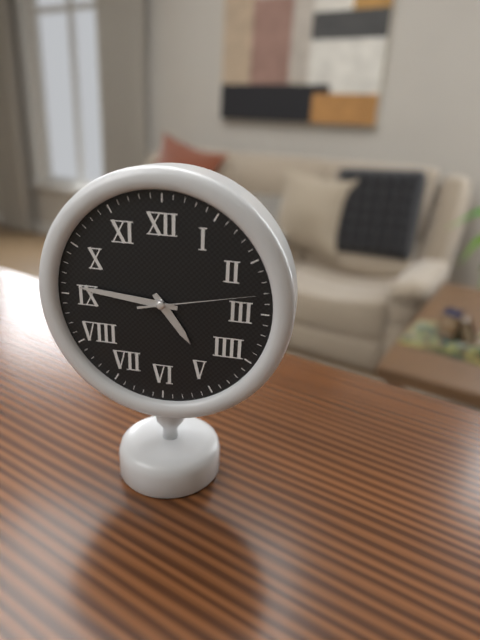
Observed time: 4:46:13
